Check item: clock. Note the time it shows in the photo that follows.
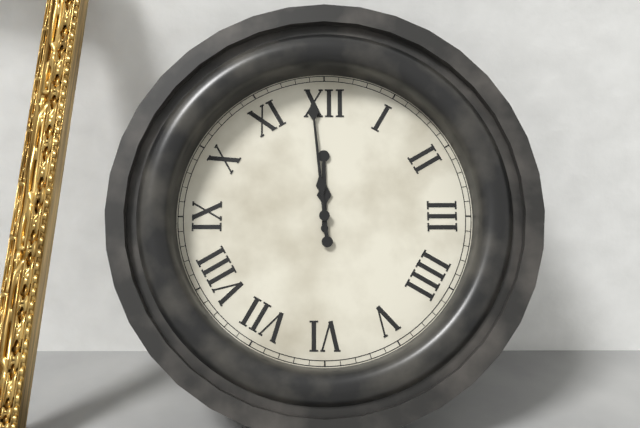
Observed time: 11:59
